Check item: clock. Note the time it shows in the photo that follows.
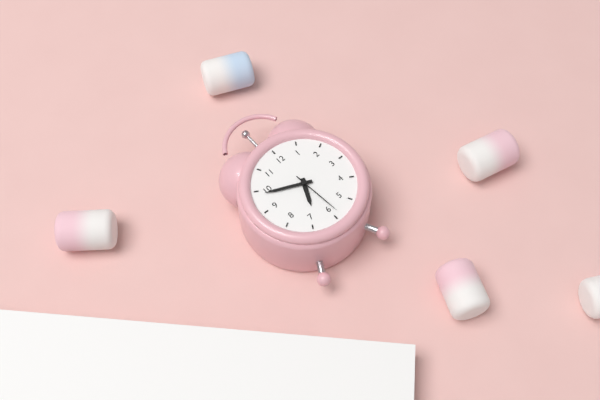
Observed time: 6:49:29
